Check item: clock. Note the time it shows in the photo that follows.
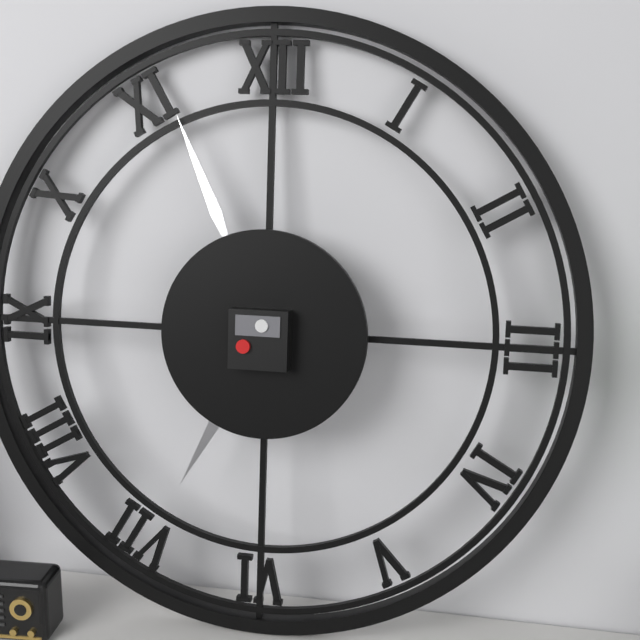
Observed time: 6:56
